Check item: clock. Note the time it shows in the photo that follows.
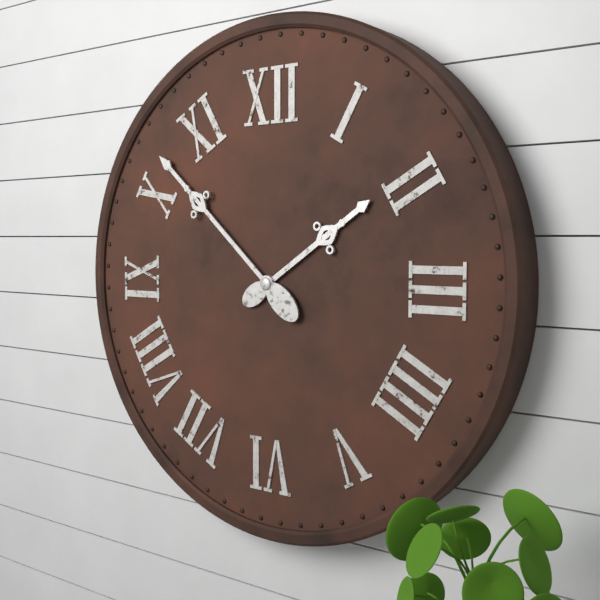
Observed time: 1:52
